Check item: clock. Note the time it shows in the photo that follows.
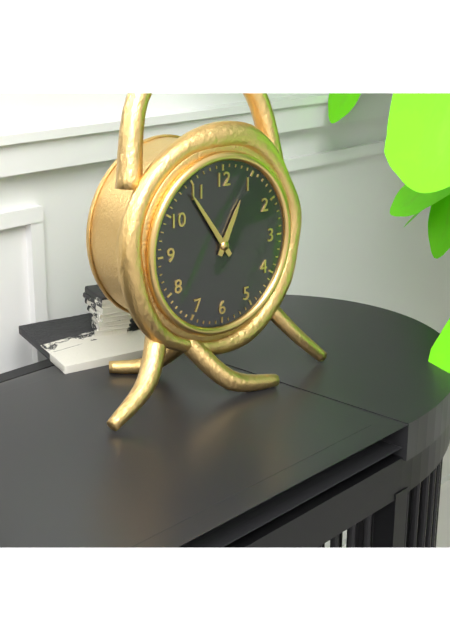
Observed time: 12:54
